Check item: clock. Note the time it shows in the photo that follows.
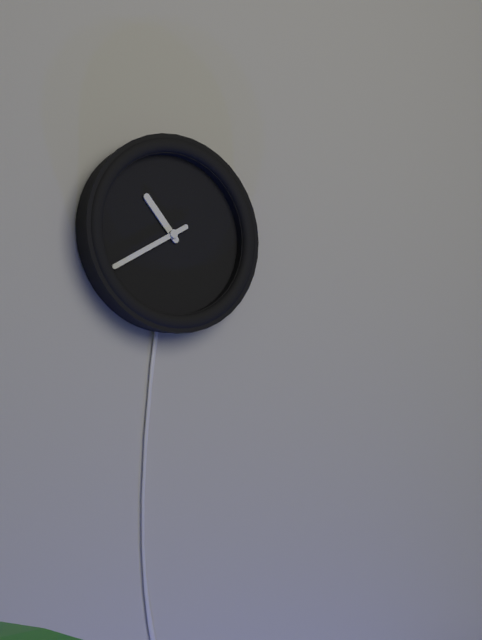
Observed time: 10:40
